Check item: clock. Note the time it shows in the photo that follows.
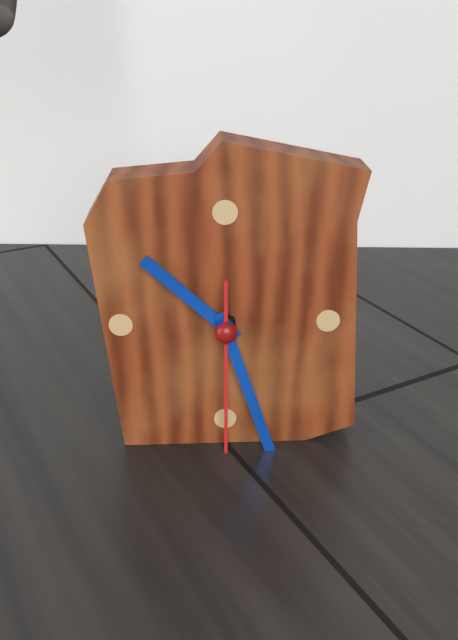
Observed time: 10:27:30
